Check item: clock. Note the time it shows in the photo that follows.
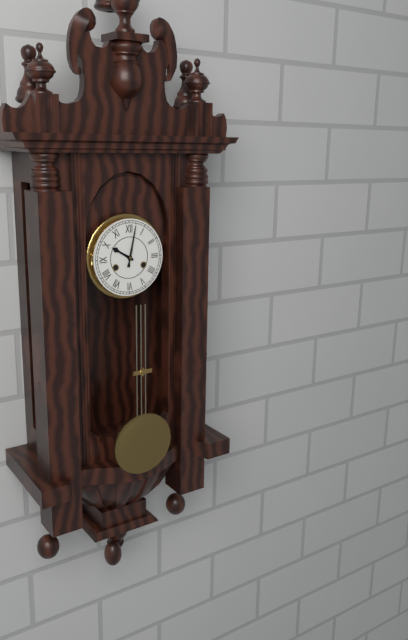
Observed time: 10:02
